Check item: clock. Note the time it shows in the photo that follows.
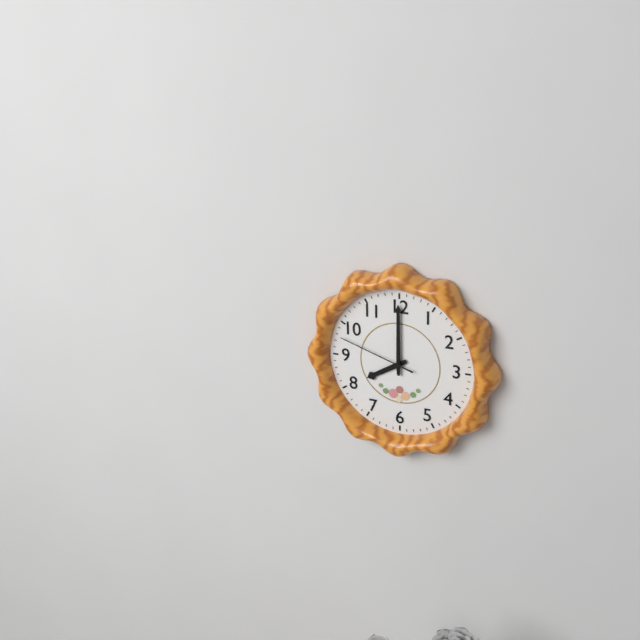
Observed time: 8:00:48
